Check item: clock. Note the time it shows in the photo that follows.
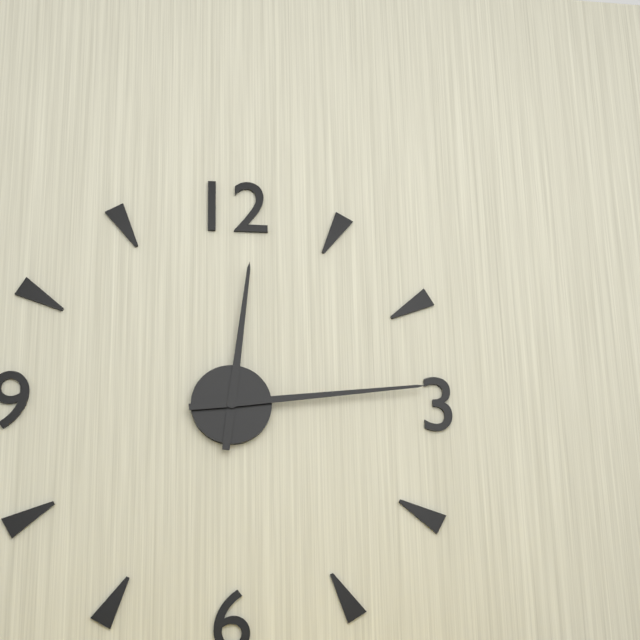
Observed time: 12:14
